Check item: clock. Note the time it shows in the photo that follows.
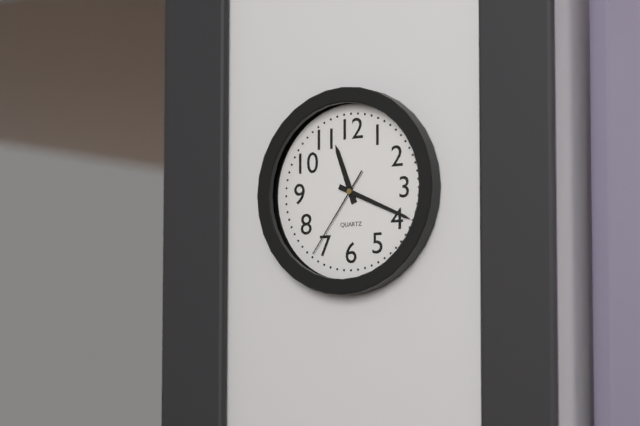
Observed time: 11:19:36
